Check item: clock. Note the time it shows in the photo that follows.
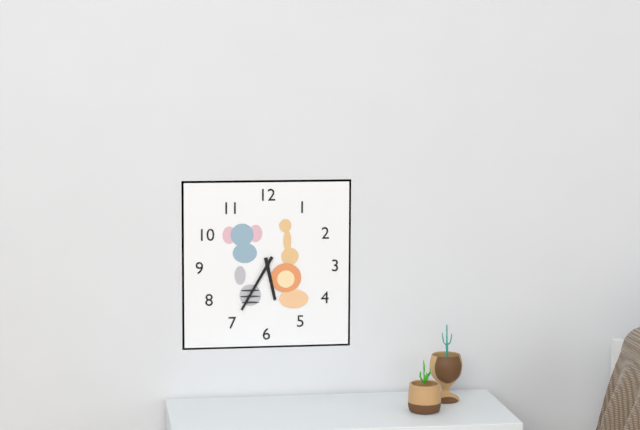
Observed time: 5:35
